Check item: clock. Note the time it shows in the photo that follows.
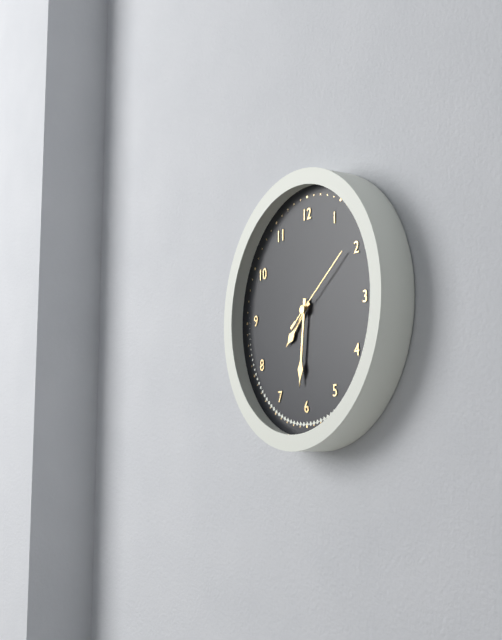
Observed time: 7:31:09
